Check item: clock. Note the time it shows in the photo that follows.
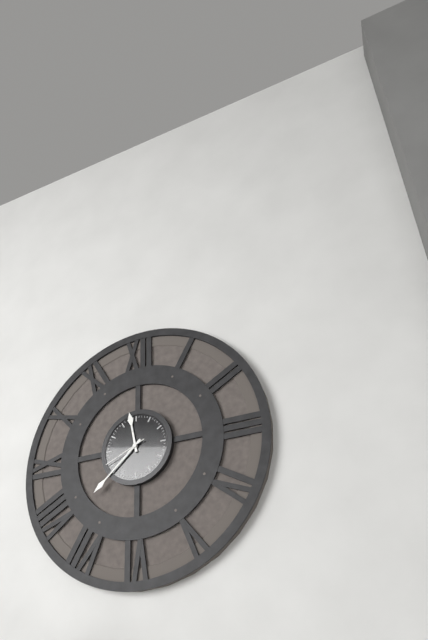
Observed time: 11:38
